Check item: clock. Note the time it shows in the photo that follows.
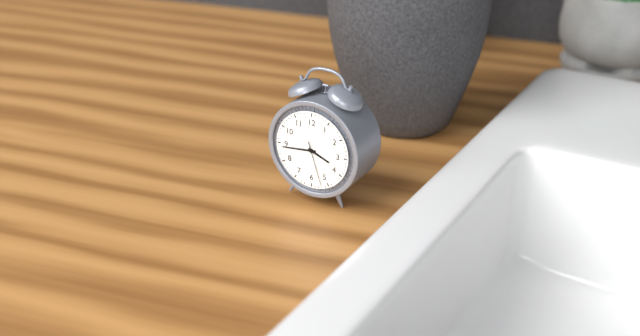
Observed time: 3:44
